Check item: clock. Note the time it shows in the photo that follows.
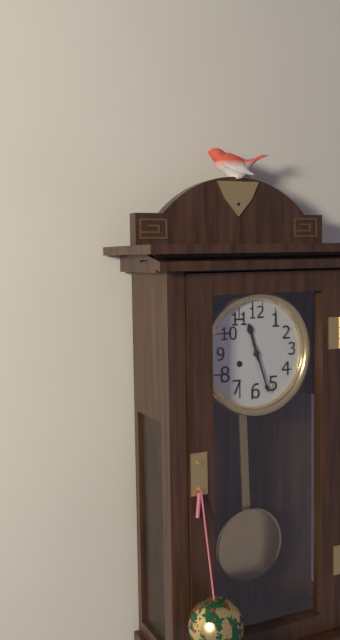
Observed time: 11:27
